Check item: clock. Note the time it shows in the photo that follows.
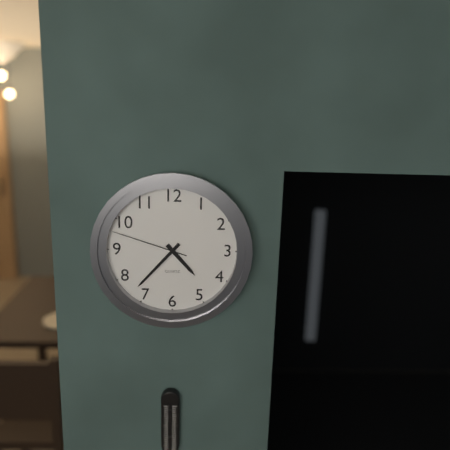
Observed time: 4:37:48
